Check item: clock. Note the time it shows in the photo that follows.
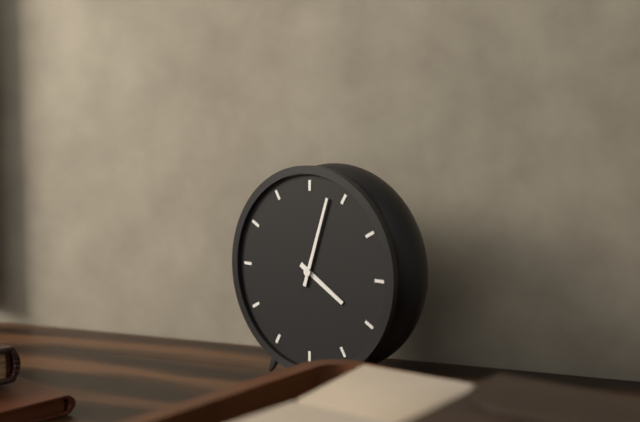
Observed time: 4:03
